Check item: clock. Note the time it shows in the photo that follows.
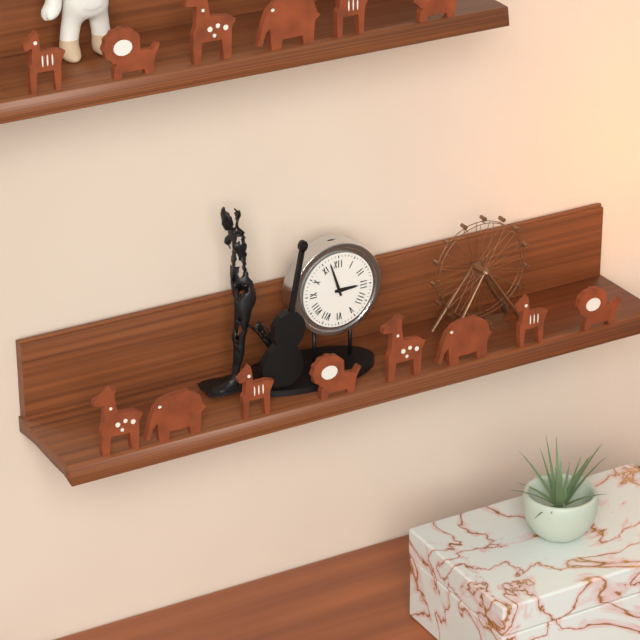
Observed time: 2:57
